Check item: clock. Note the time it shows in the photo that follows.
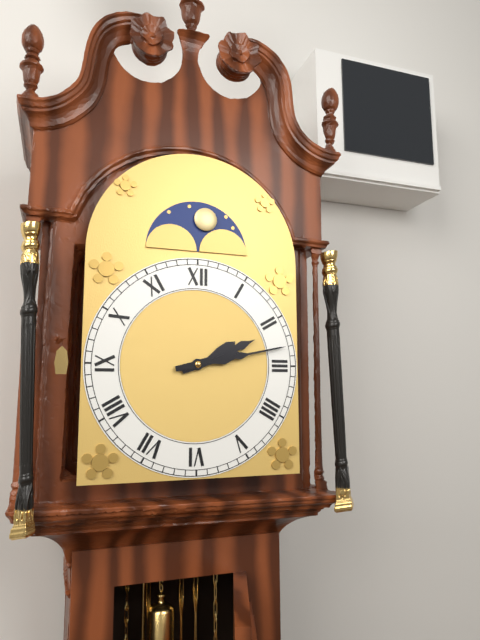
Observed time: 2:13
